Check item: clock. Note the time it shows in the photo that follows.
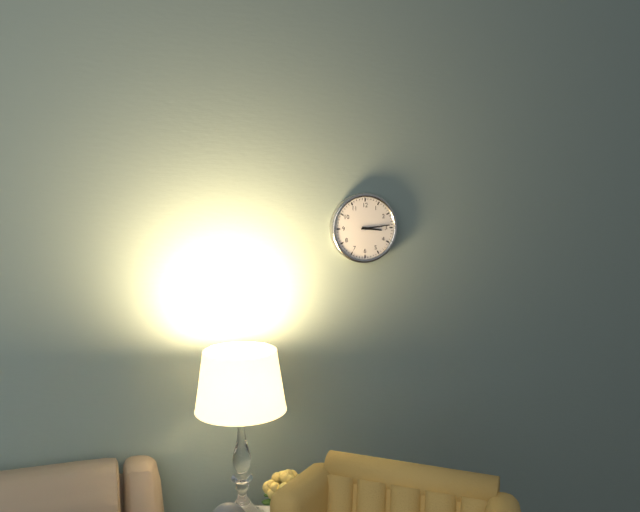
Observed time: 3:14
